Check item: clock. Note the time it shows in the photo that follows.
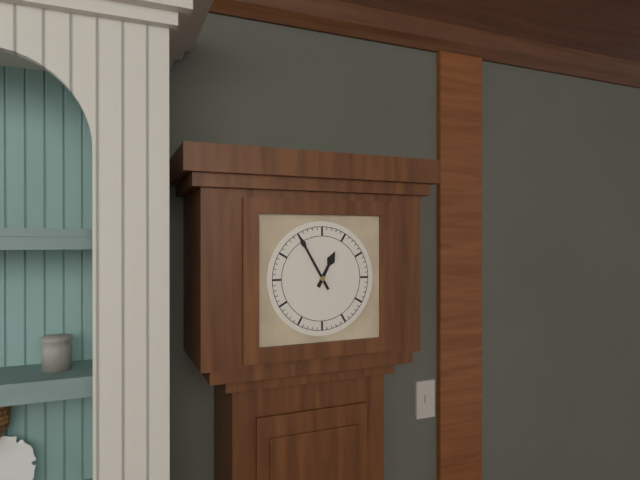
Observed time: 12:55
